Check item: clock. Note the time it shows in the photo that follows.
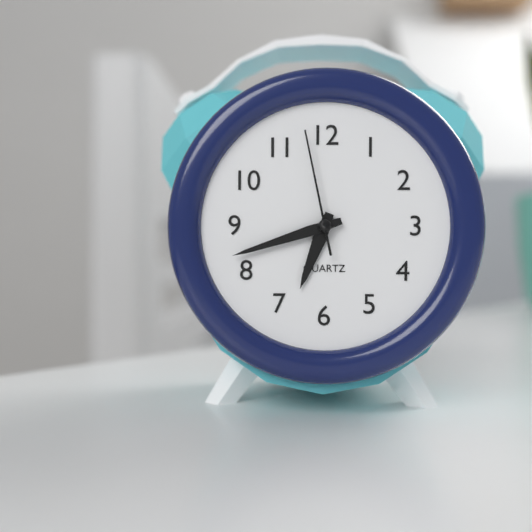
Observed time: 6:42:58
